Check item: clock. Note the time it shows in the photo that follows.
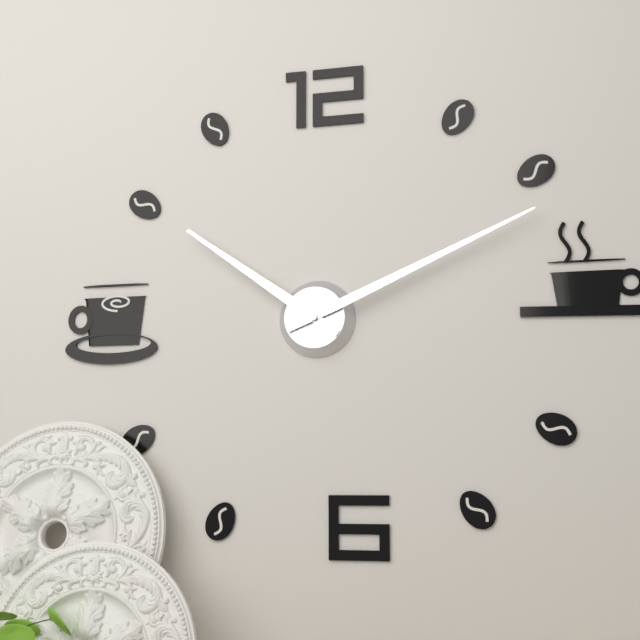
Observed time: 10:11
